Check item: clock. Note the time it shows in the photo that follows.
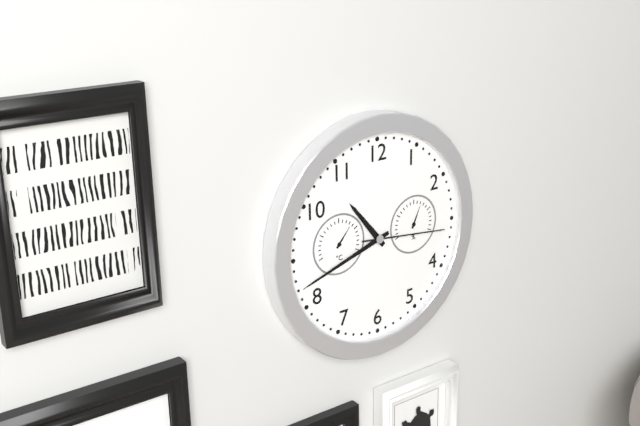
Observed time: 10:42:16
